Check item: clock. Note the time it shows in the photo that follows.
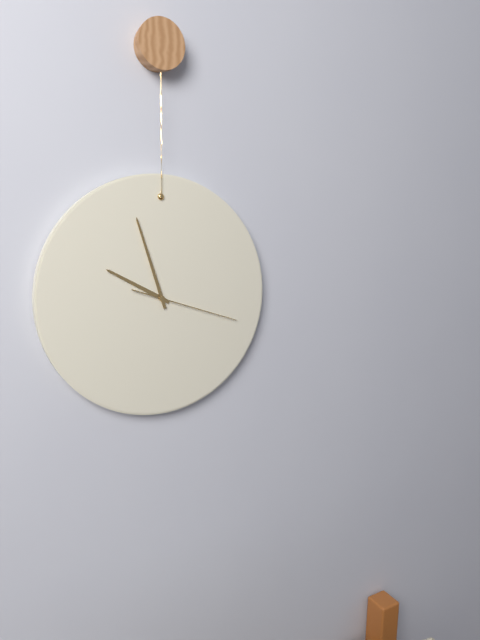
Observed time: 9:57:18
